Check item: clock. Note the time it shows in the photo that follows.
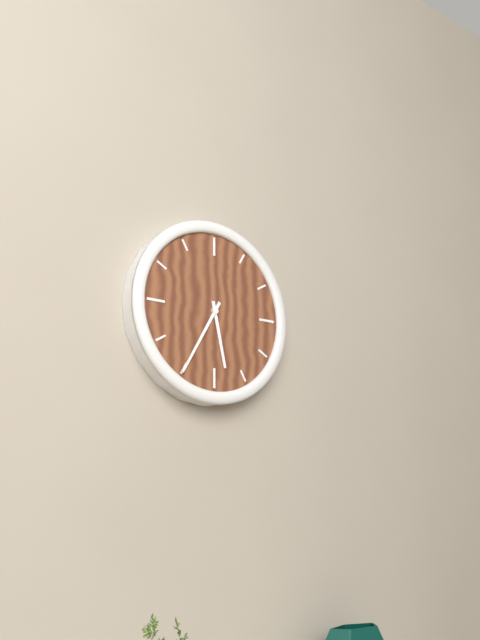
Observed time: 5:35
